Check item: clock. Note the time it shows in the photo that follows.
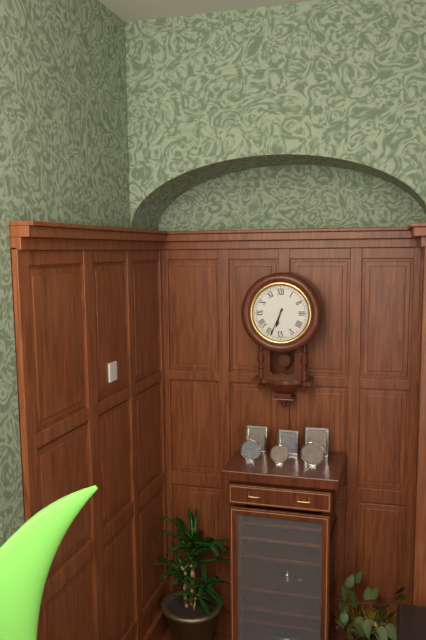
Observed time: 6:34
